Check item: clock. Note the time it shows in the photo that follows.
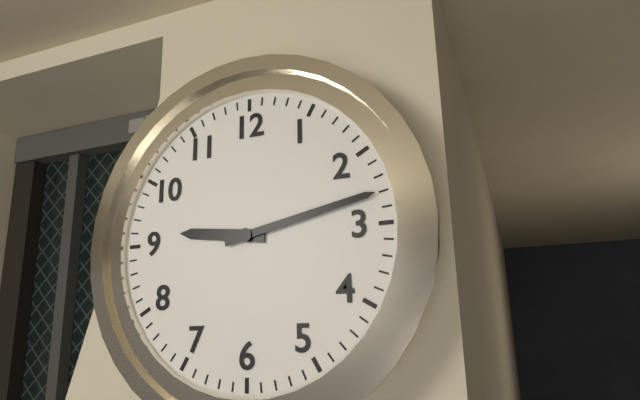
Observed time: 9:13
